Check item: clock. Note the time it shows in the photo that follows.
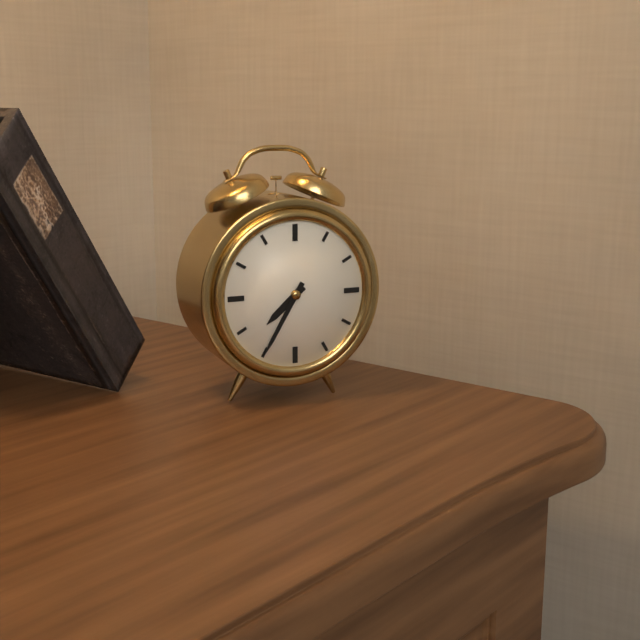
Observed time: 7:35
